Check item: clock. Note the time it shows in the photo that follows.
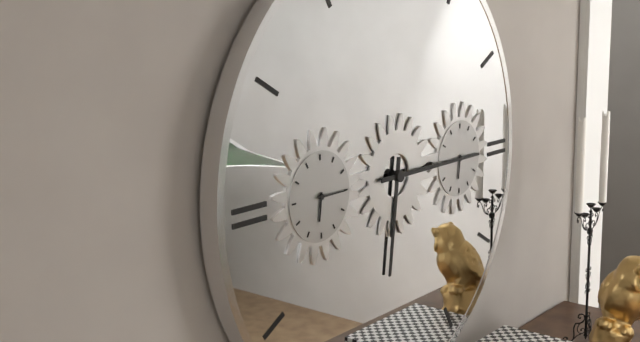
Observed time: 6:15
